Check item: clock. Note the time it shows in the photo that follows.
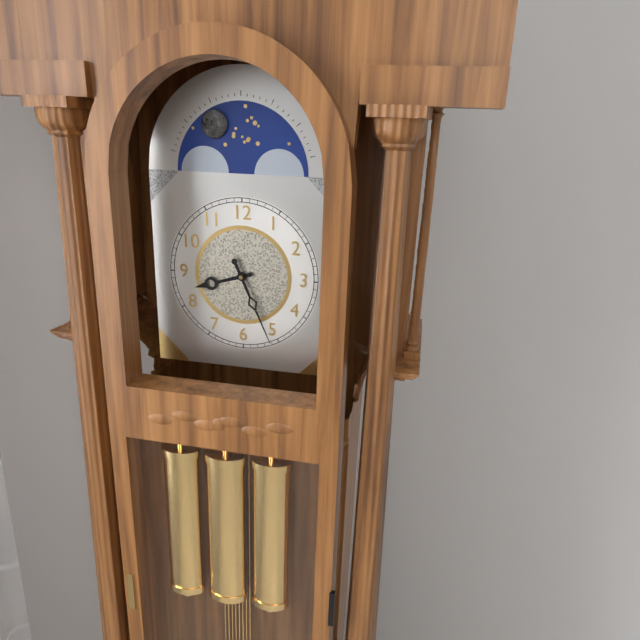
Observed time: 8:26
